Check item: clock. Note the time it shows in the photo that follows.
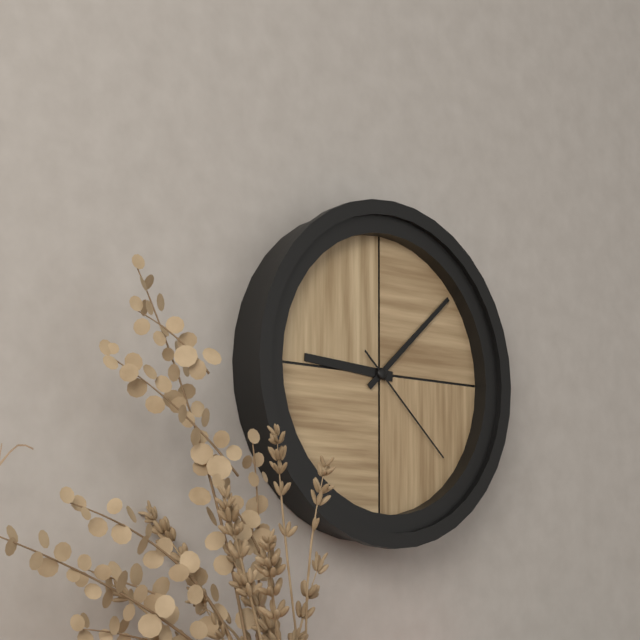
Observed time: 9:08:22
